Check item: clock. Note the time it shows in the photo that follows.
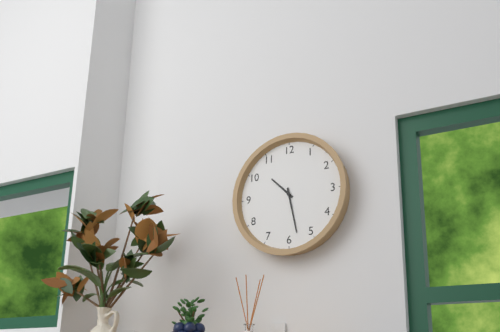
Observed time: 10:28
